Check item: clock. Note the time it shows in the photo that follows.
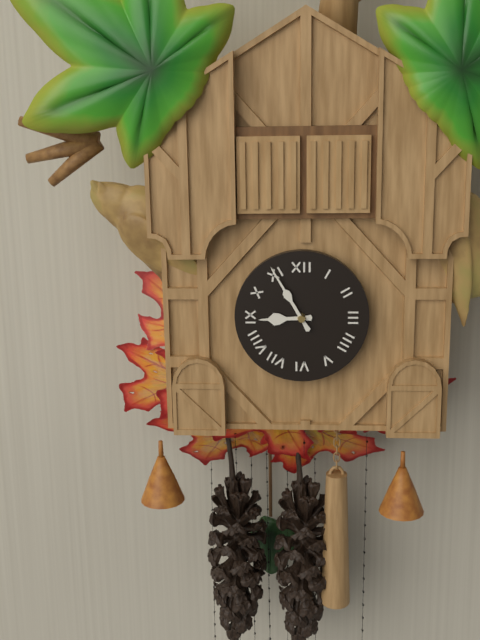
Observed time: 8:55
